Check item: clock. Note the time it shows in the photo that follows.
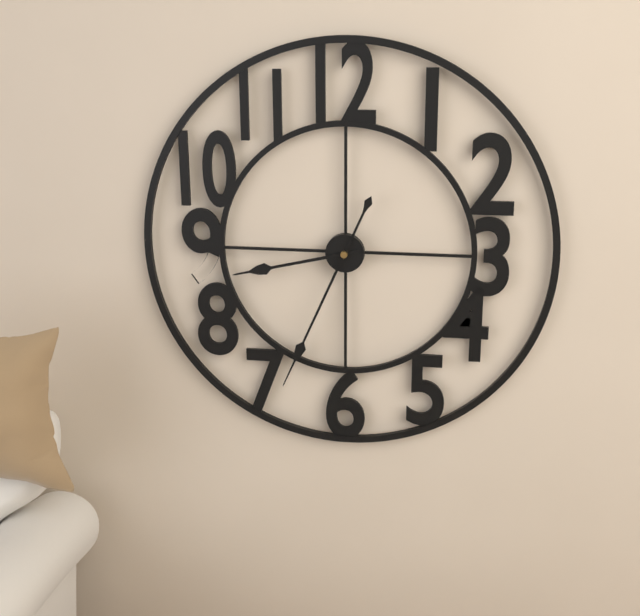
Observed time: 8:34
